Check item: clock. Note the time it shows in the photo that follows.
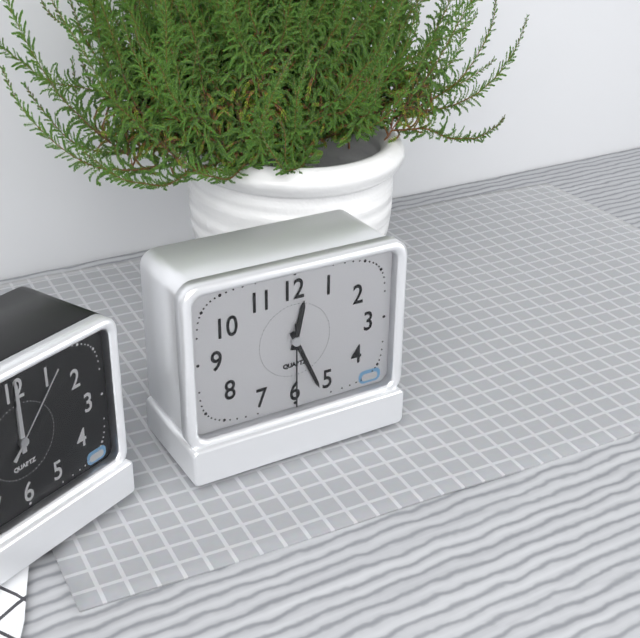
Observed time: 12:26:30
